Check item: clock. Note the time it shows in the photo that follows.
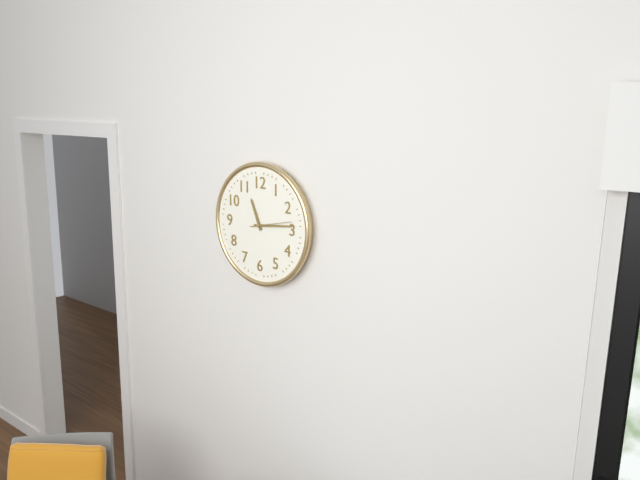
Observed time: 11:14
